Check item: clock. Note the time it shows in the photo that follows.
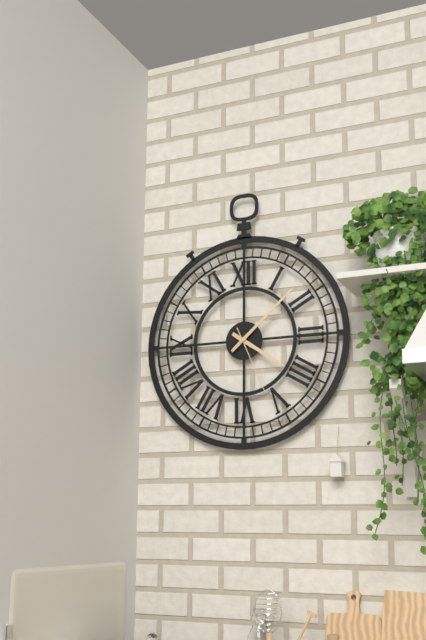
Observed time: 4:08:26
